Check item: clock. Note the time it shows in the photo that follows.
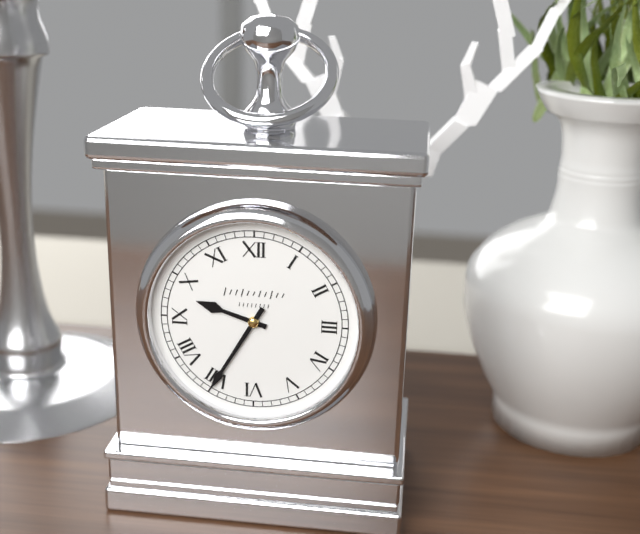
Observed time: 9:35
